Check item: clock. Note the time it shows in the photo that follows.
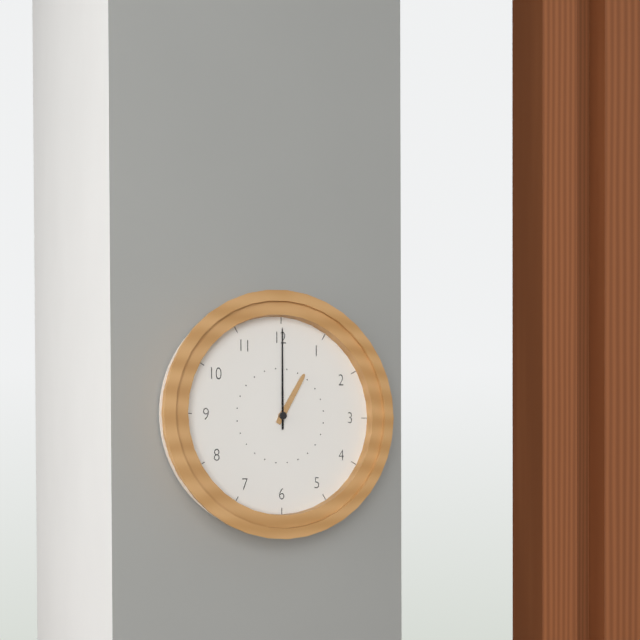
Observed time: 1:00
